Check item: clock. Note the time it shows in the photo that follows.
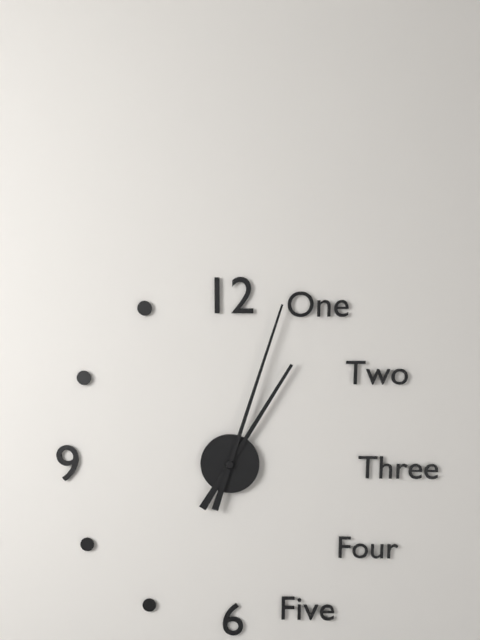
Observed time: 1:03
